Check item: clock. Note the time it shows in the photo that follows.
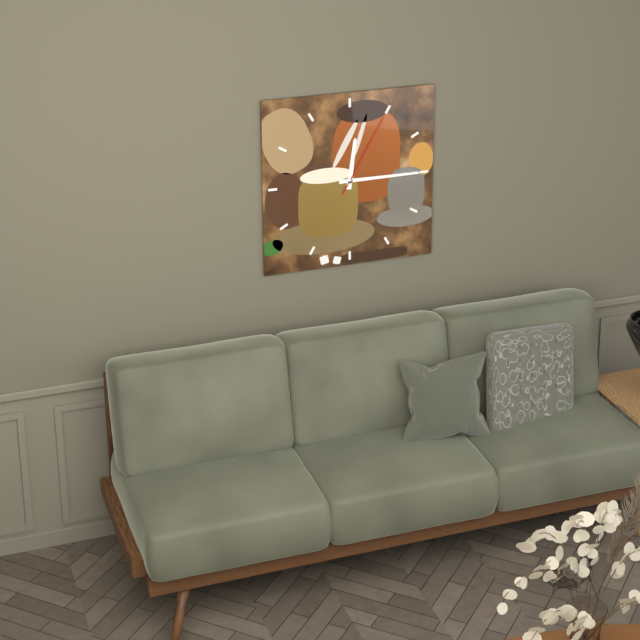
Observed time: 12:15:05
